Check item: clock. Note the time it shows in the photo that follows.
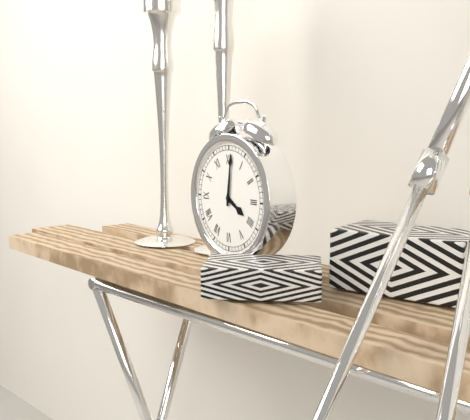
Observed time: 4:01
